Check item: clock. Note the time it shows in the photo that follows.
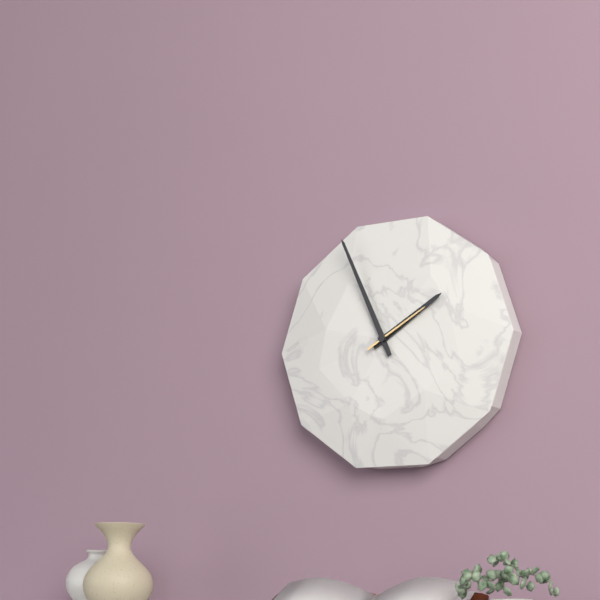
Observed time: 1:56:10
